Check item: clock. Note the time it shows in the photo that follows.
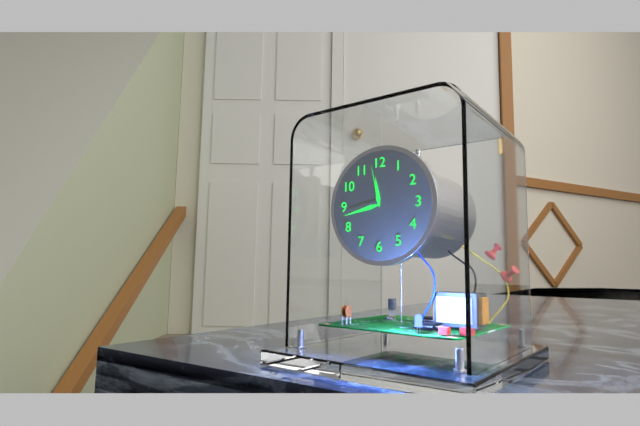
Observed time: 11:43:58
